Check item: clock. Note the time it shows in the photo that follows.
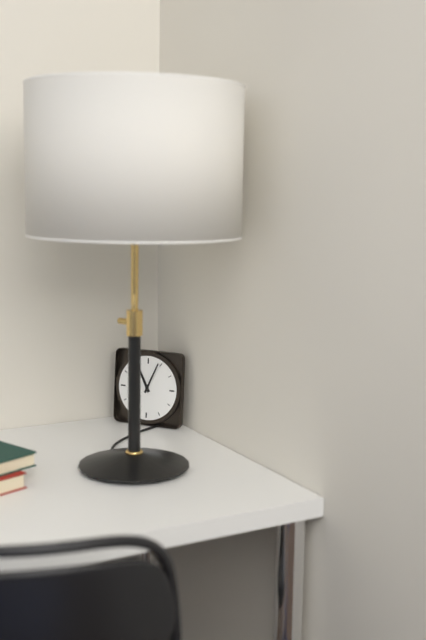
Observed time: 11:04
